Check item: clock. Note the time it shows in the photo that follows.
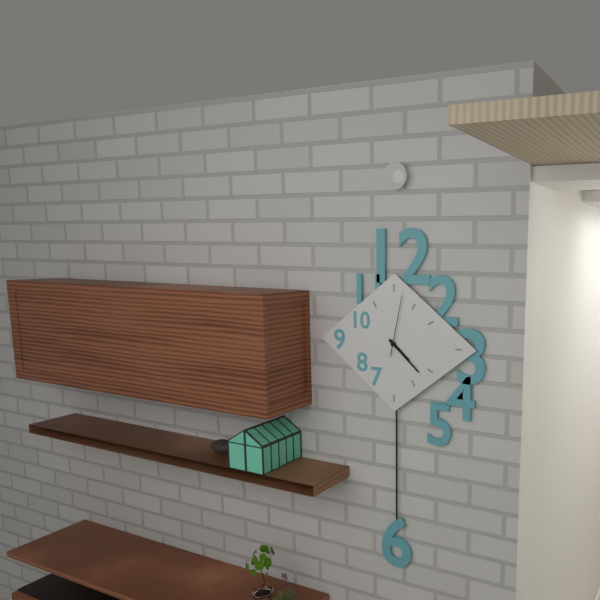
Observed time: 4:22:02
